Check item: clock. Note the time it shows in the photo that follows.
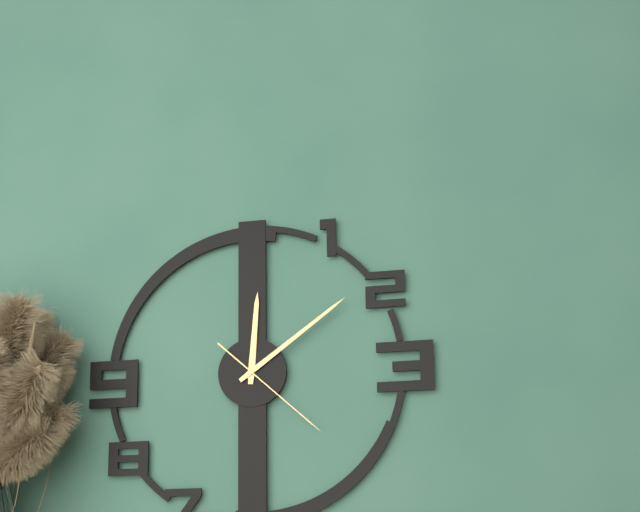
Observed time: 12:09:22
